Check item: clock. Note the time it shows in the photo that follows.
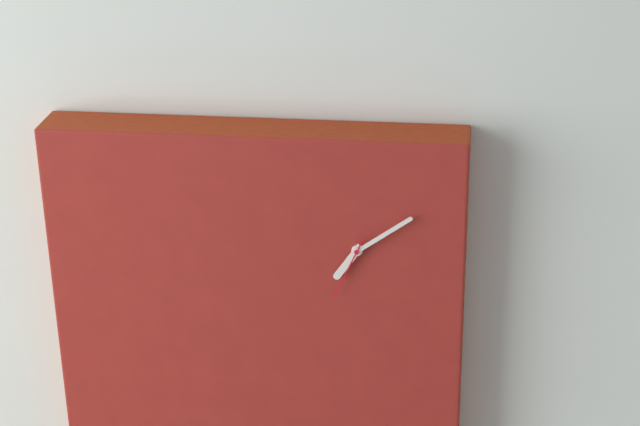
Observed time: 7:09:34
